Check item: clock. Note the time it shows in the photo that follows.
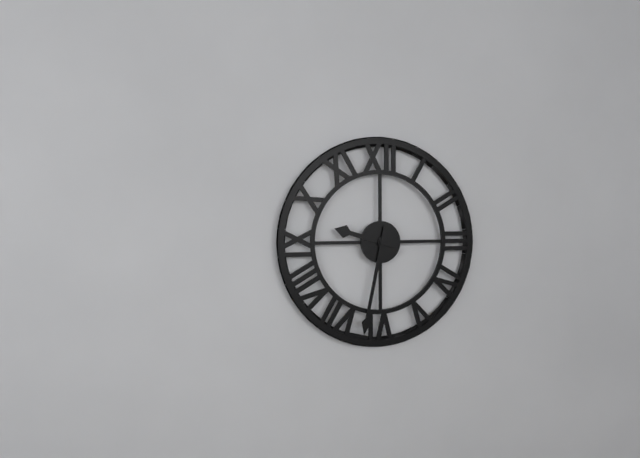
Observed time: 9:32
